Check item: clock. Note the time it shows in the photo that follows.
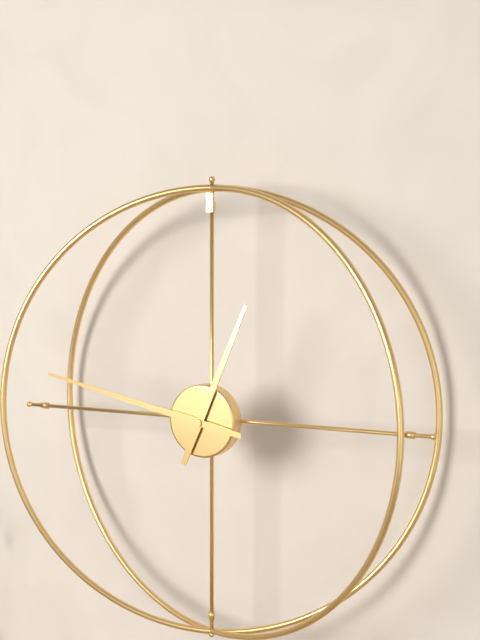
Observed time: 12:47
